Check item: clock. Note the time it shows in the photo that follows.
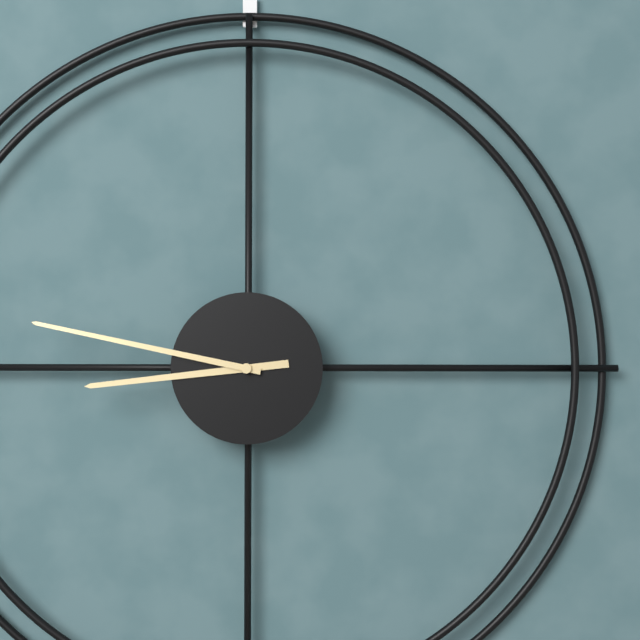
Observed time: 8:47
